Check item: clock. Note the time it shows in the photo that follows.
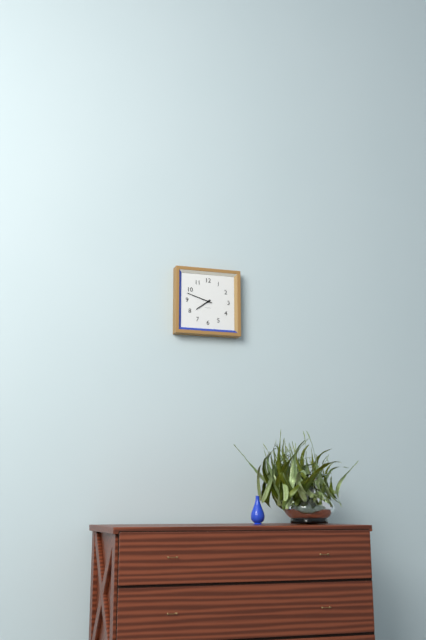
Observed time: 7:48
